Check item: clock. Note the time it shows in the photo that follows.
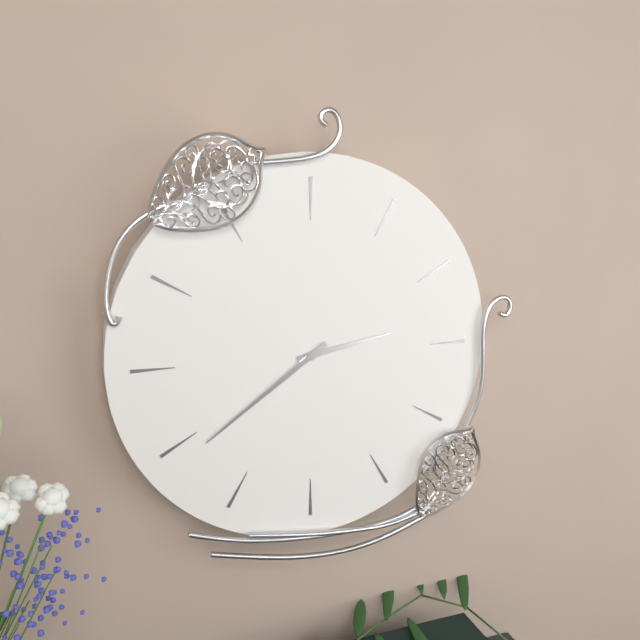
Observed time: 2:39
